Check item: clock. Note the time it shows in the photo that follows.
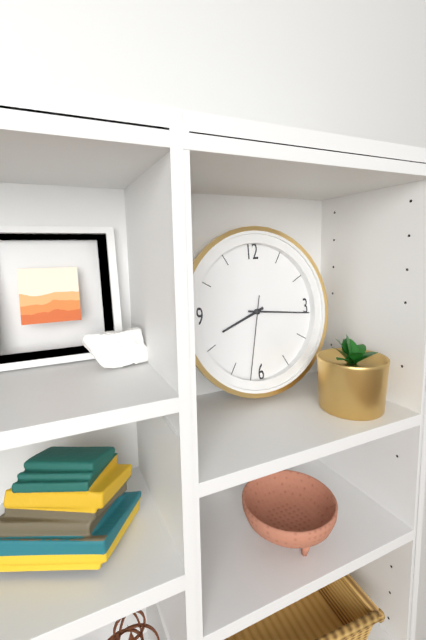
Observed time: 8:16:32
